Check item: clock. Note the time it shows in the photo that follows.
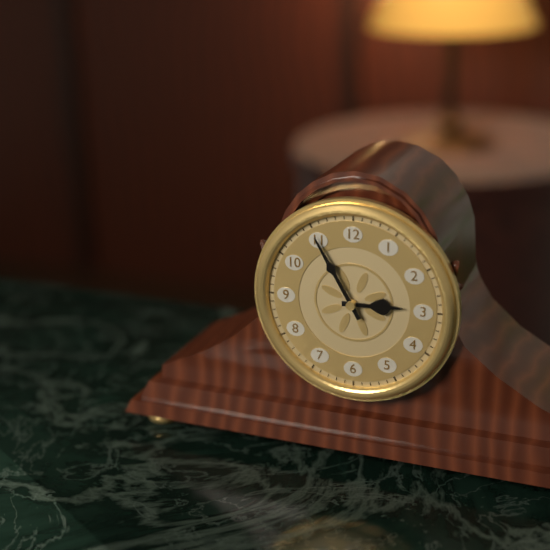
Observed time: 2:55
